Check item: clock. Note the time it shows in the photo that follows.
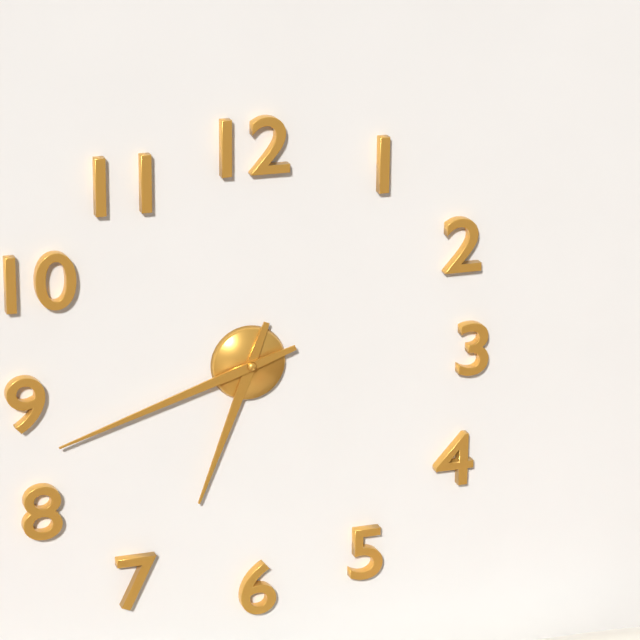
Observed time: 6:42
